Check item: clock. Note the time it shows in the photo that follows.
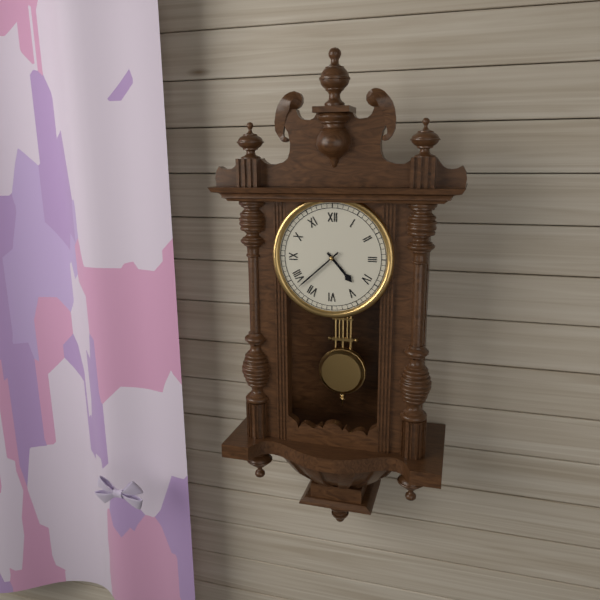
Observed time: 4:38
